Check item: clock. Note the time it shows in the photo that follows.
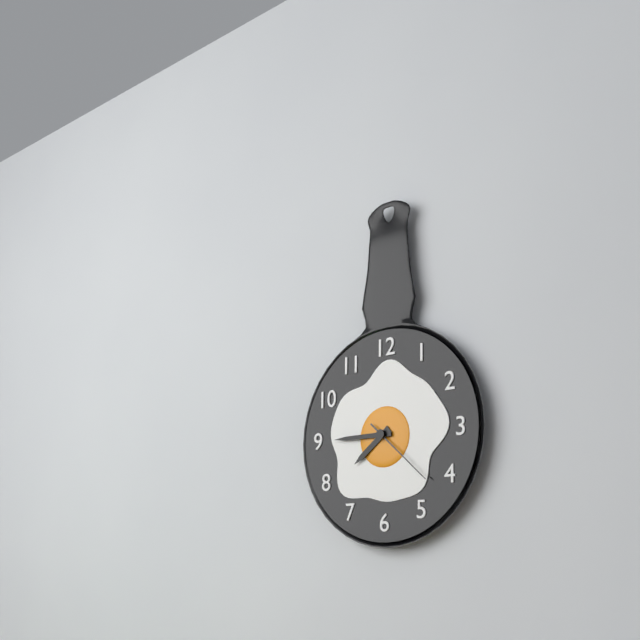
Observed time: 7:45:22
